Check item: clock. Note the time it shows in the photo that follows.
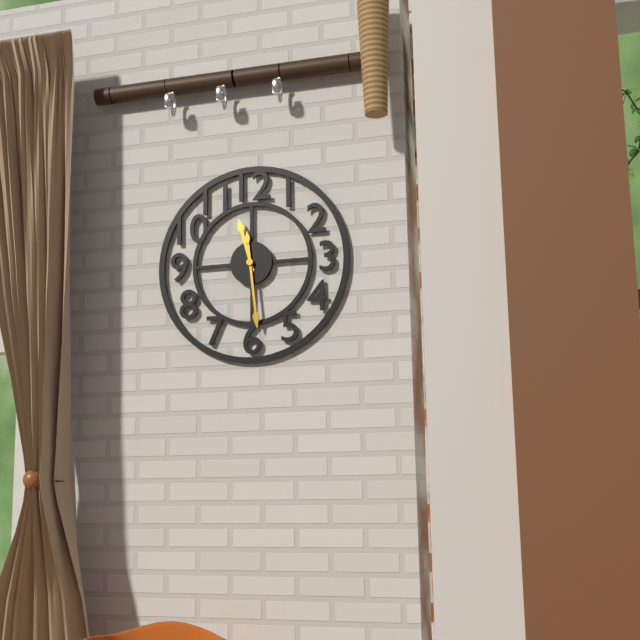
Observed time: 11:29
